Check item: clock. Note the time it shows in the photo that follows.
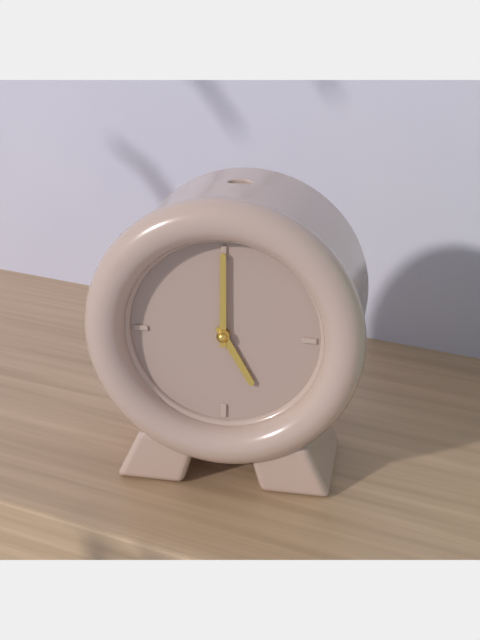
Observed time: 5:00
